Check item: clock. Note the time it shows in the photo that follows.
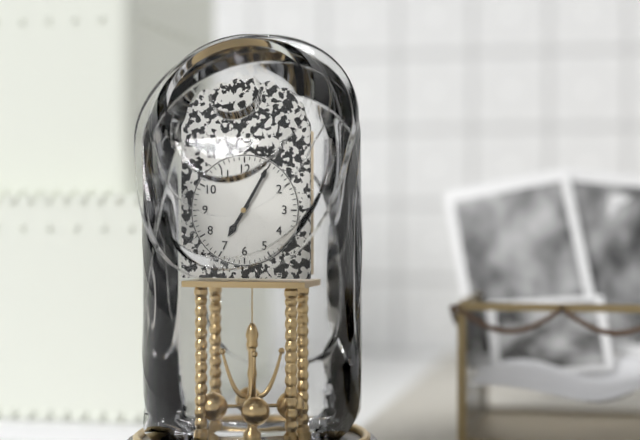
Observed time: 7:05
